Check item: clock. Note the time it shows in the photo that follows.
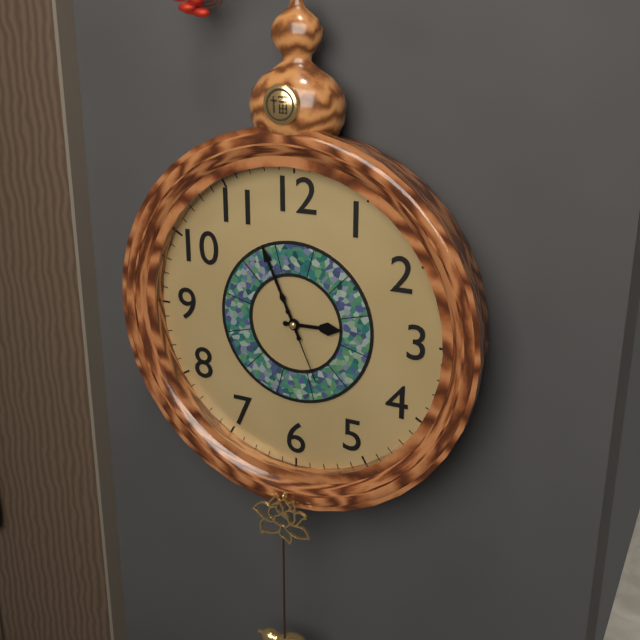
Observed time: 2:56:26
